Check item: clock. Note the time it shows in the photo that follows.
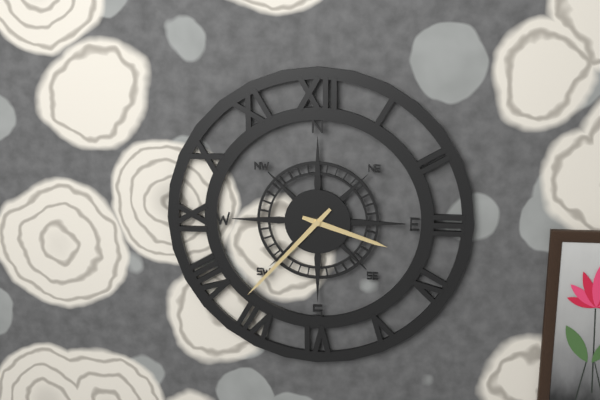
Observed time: 3:37
